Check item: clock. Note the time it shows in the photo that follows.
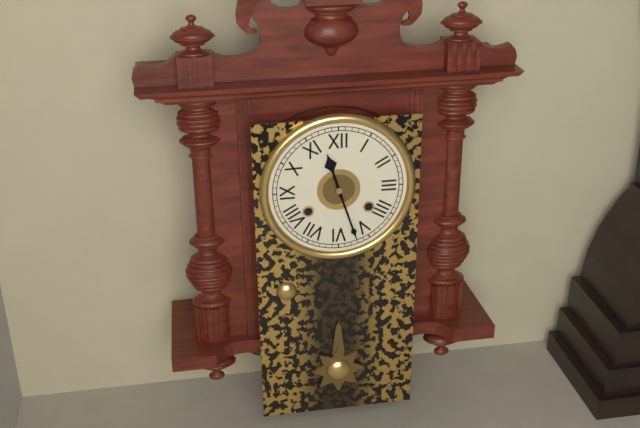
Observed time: 11:27
